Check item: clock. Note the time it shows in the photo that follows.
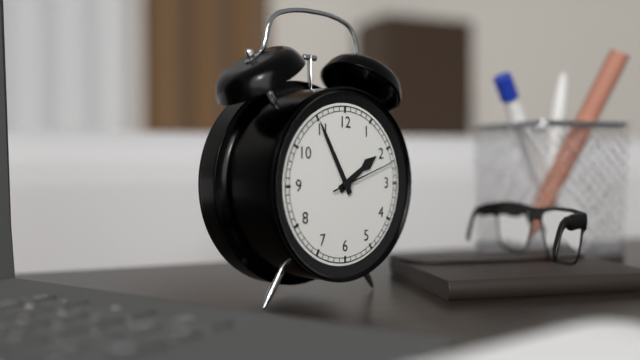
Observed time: 1:55:12
